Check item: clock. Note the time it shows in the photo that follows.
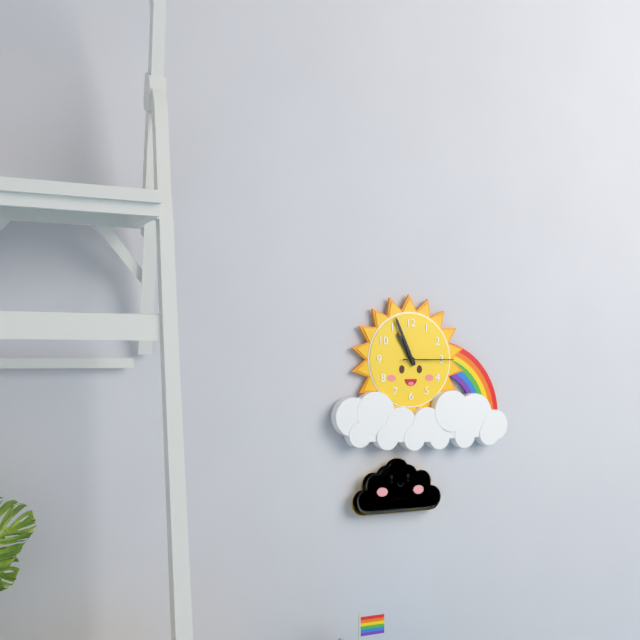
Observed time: 10:56:15
